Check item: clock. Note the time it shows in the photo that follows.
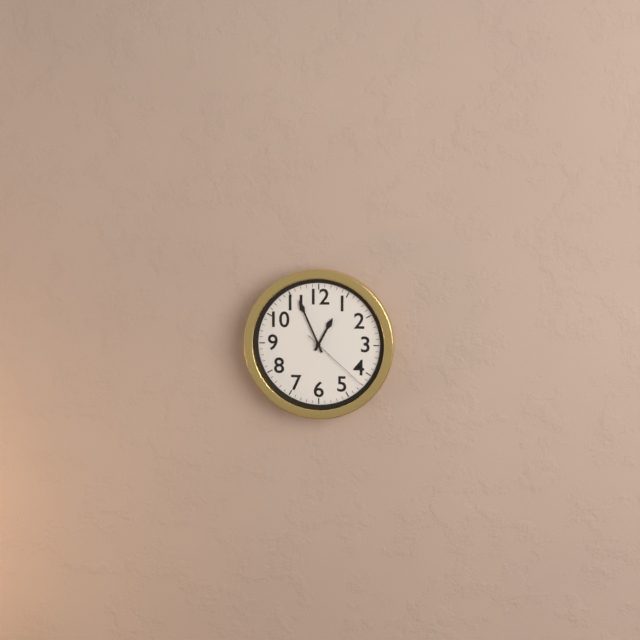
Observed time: 12:56:22
